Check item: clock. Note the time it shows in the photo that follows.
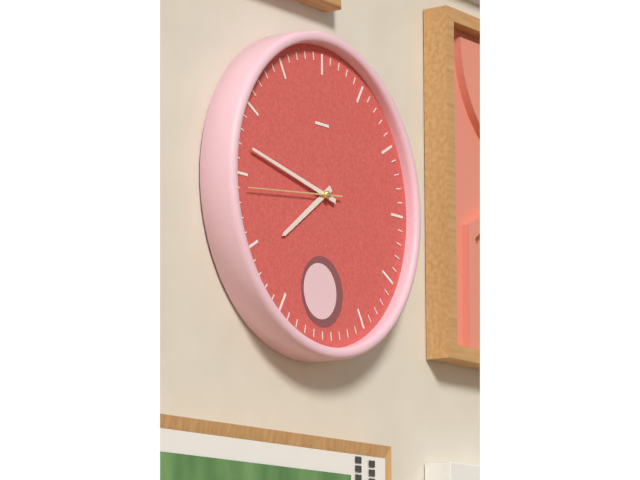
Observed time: 7:47:44
